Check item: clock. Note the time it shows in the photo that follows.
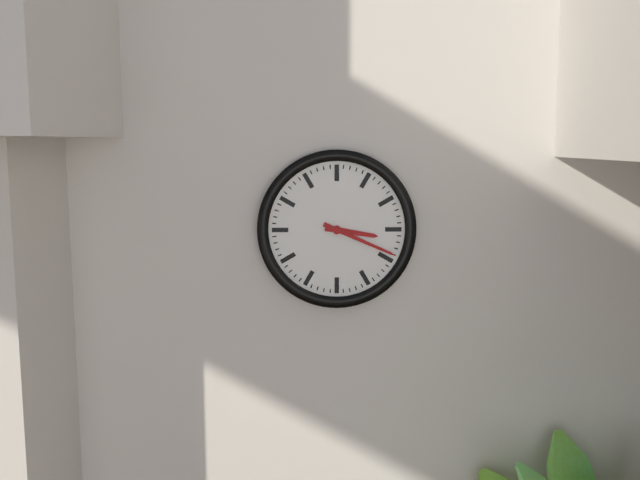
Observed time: 3:19
